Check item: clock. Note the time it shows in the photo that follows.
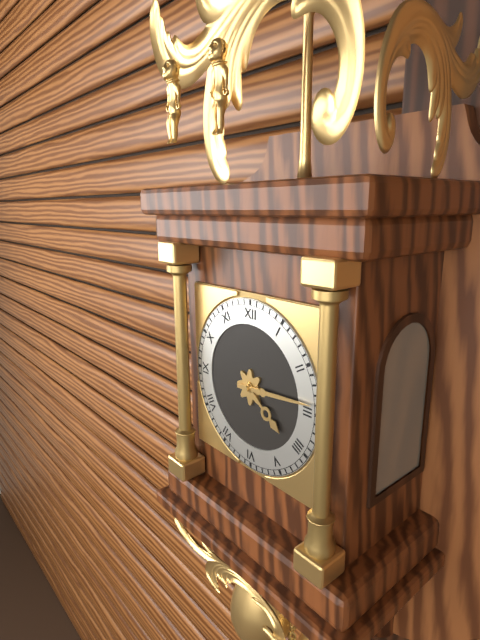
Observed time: 4:14
